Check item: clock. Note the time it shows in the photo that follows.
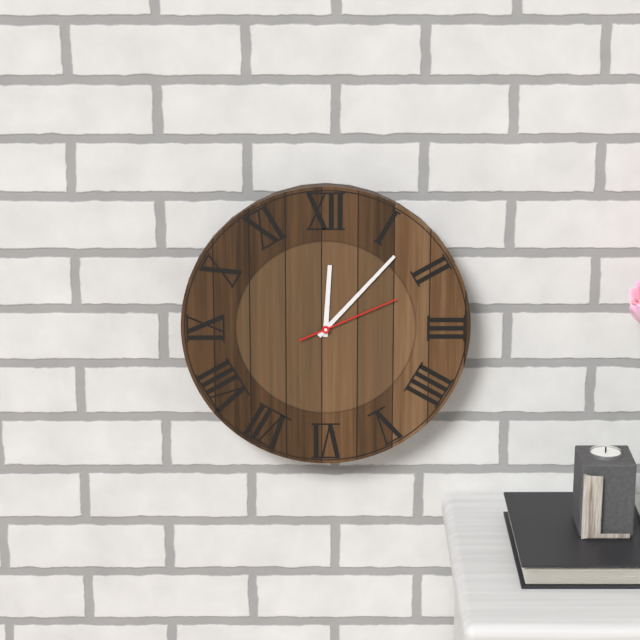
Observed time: 12:07:11
